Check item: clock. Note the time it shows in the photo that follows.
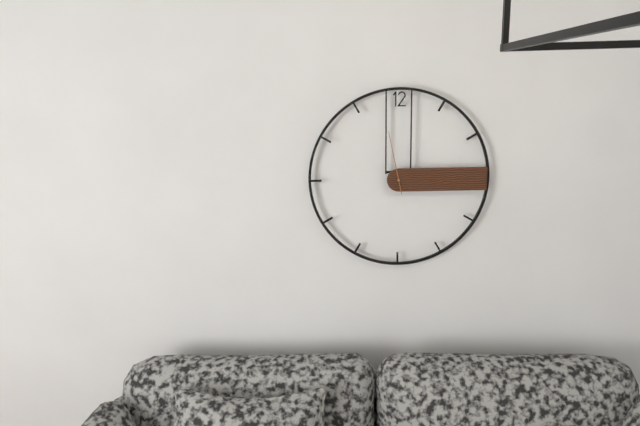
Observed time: 3:15:58
